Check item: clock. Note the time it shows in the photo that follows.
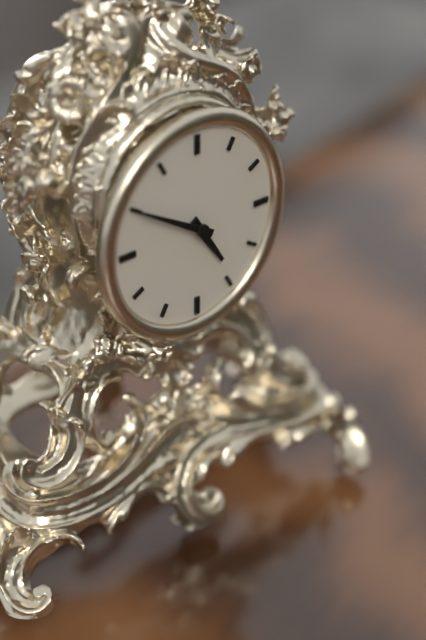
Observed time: 4:50
